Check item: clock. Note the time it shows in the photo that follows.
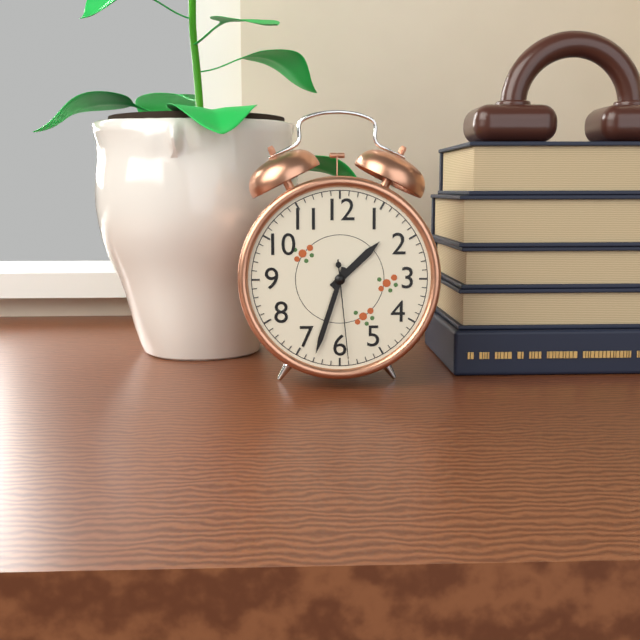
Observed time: 1:33:29
